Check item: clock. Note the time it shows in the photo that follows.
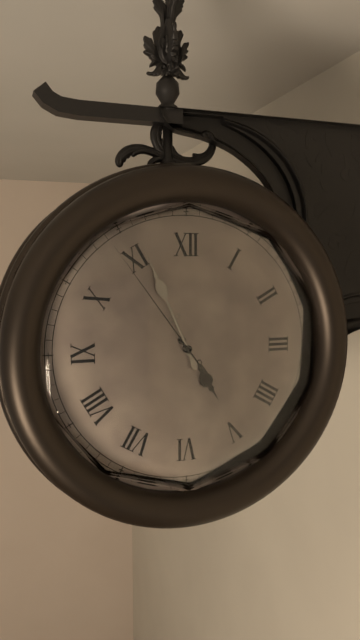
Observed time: 4:56:54
